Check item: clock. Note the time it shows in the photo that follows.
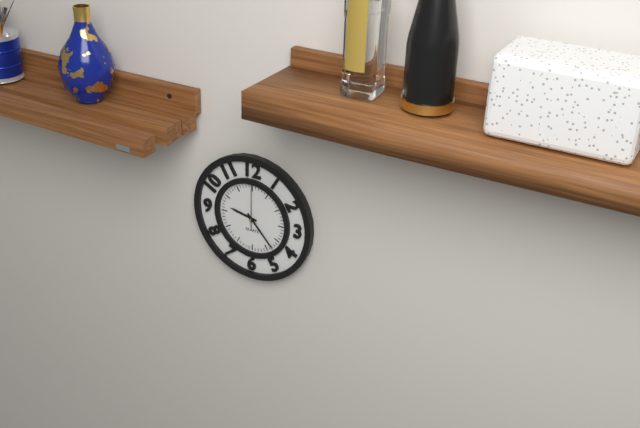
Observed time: 9:23
